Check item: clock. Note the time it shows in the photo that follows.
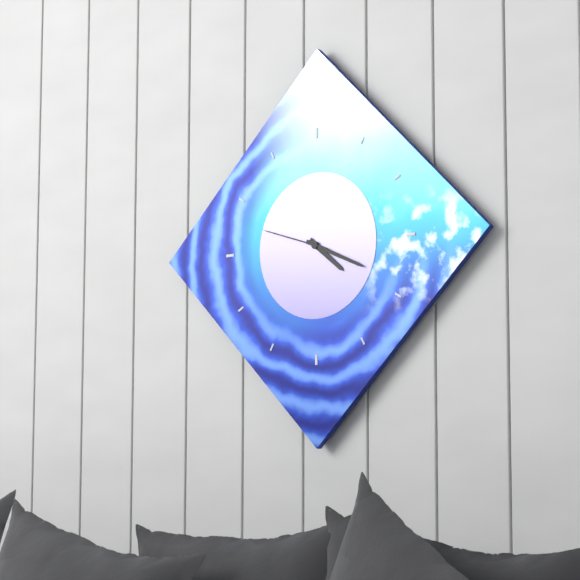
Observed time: 4:19:48
